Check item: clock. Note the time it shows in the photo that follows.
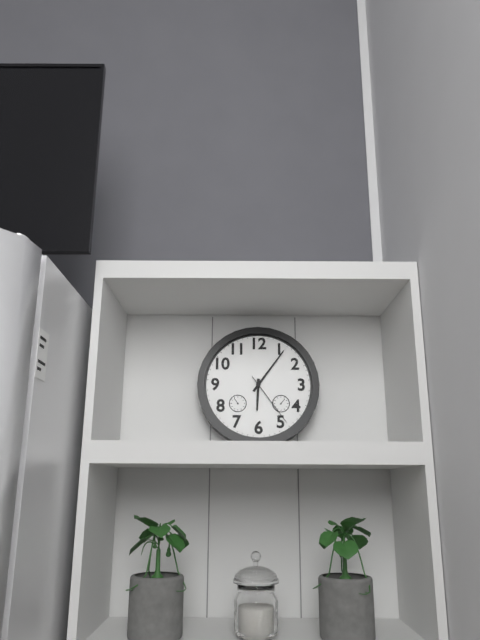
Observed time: 6:06:24
